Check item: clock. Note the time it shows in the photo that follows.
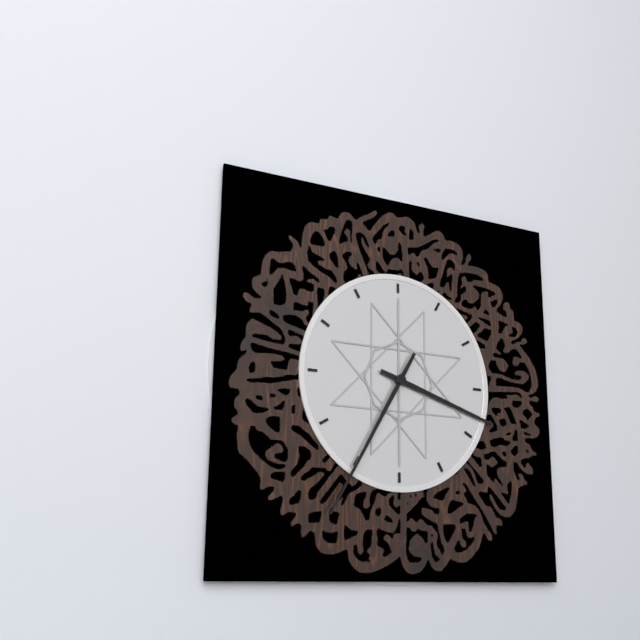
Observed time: 3:35
